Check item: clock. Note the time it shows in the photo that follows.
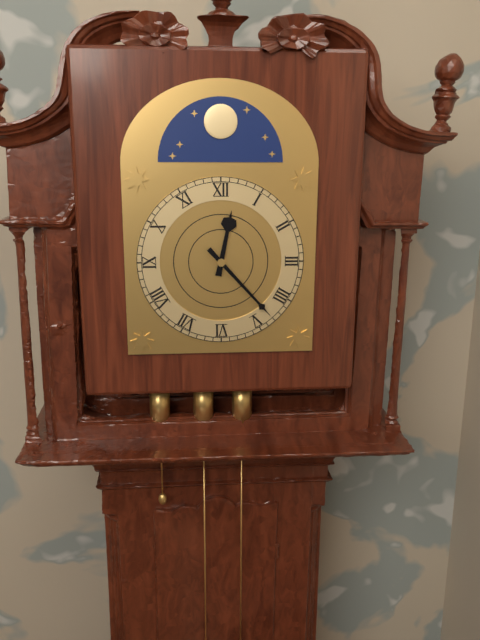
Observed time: 12:23
